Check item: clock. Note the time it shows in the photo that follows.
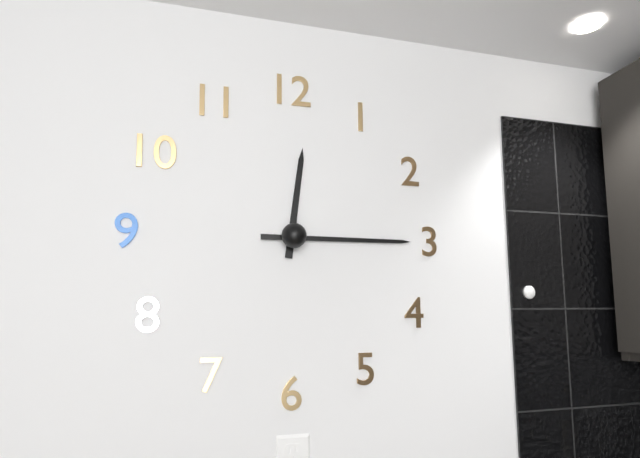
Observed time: 12:15
